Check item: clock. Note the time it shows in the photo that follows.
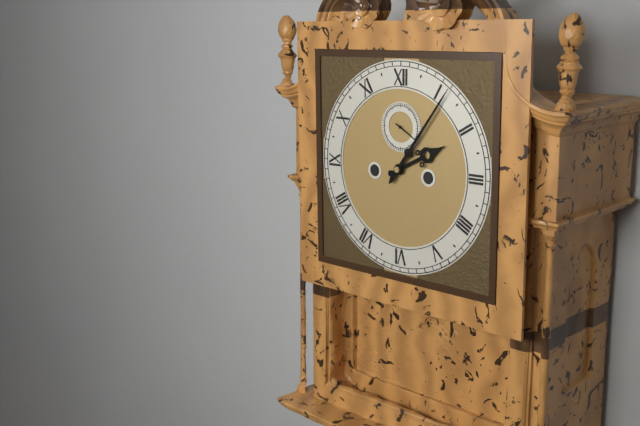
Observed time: 2:06
